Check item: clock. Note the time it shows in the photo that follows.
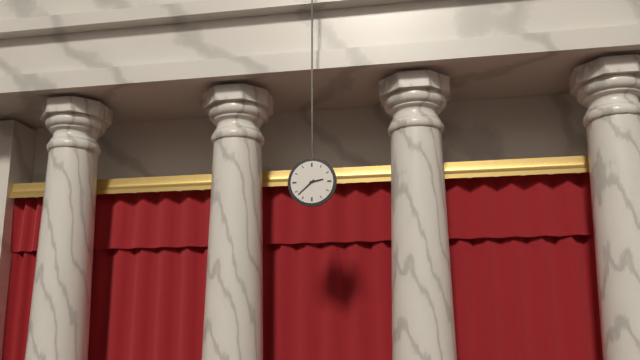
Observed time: 2:38
